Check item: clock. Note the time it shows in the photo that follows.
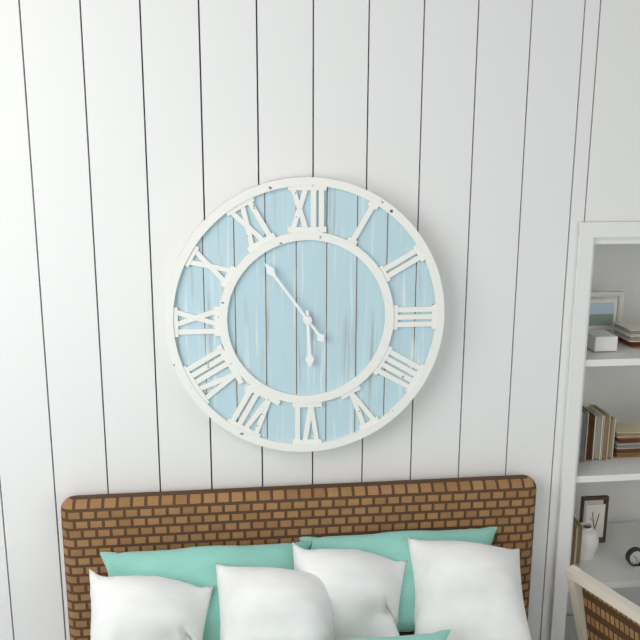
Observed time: 5:54
